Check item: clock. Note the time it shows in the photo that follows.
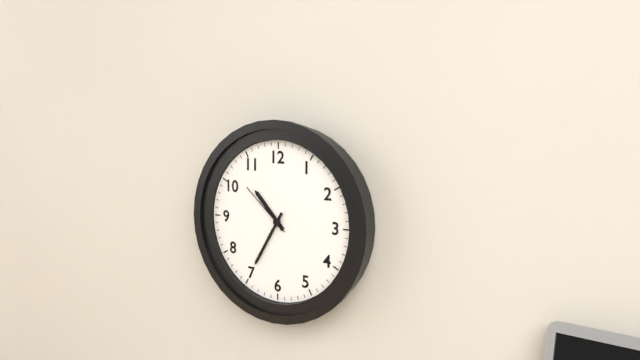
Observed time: 10:35:52
